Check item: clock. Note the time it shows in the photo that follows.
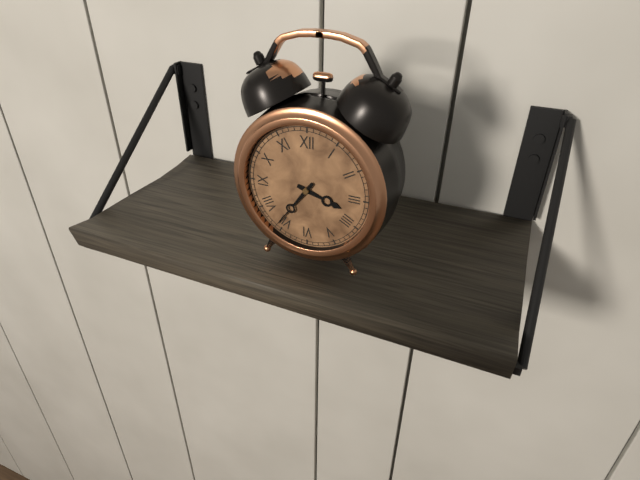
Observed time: 3:36
